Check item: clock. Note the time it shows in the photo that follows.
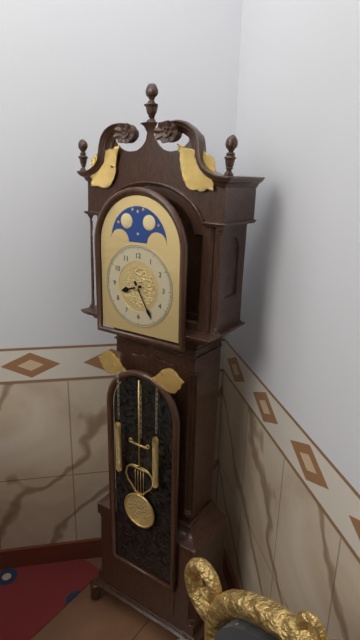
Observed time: 8:25
